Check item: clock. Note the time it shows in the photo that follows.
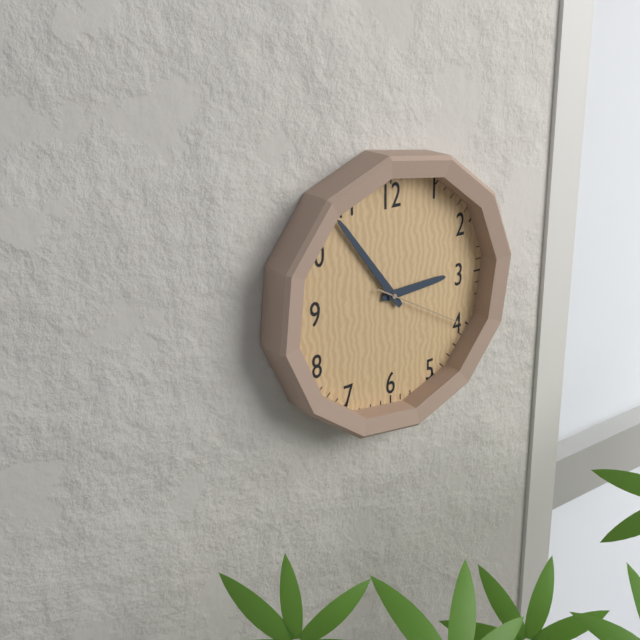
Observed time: 2:54:20
